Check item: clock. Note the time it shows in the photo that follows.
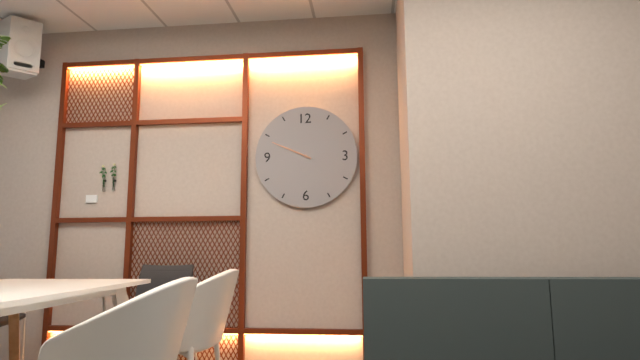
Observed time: 9:49
